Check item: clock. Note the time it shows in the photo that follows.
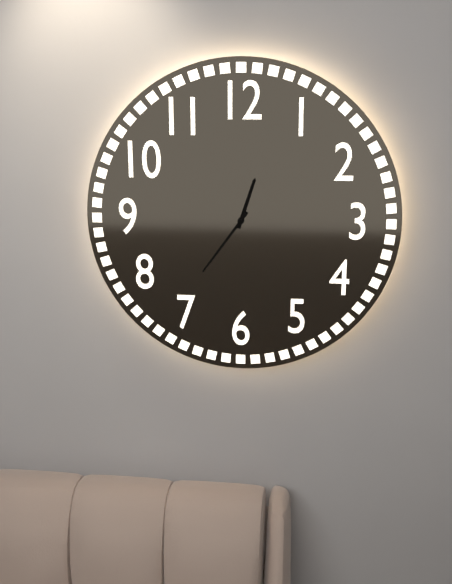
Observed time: 12:36
